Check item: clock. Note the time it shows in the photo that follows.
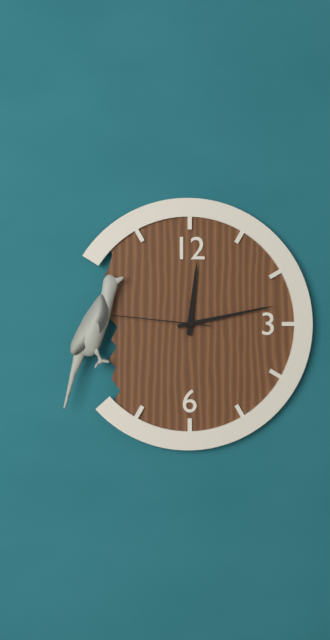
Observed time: 12:13:46
